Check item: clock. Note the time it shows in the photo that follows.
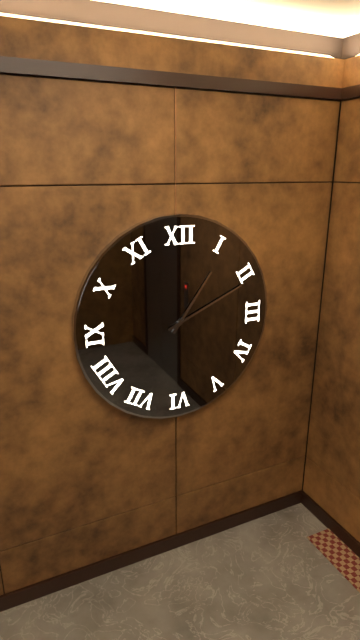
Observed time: 1:11
